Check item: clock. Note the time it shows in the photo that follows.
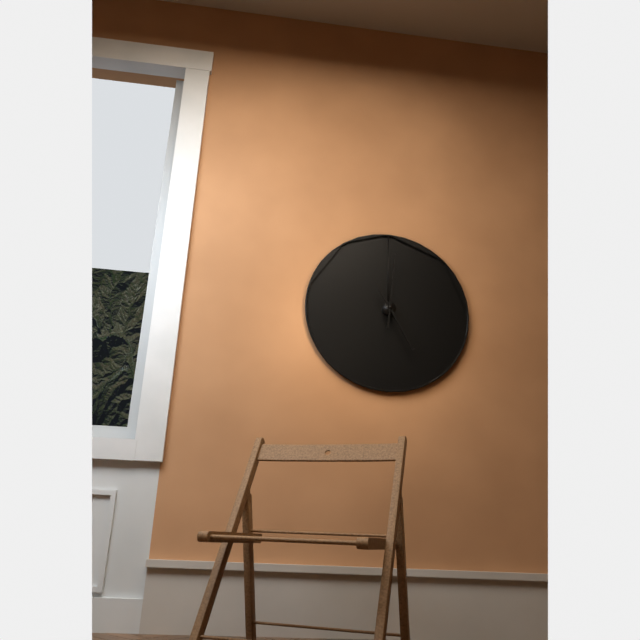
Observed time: 5:01
